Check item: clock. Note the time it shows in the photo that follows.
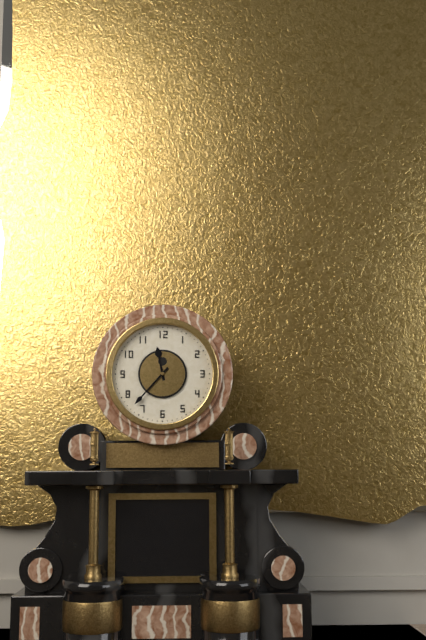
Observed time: 11:37
